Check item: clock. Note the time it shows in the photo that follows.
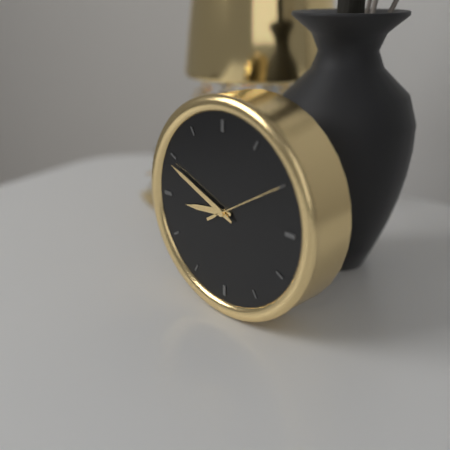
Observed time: 8:49:10
